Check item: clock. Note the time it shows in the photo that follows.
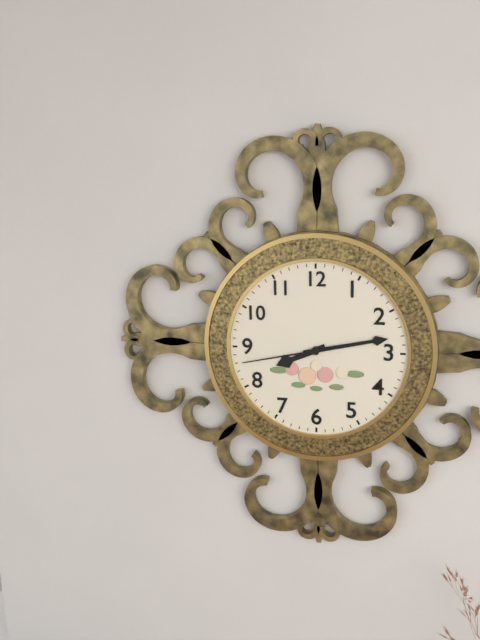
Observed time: 8:13:43
